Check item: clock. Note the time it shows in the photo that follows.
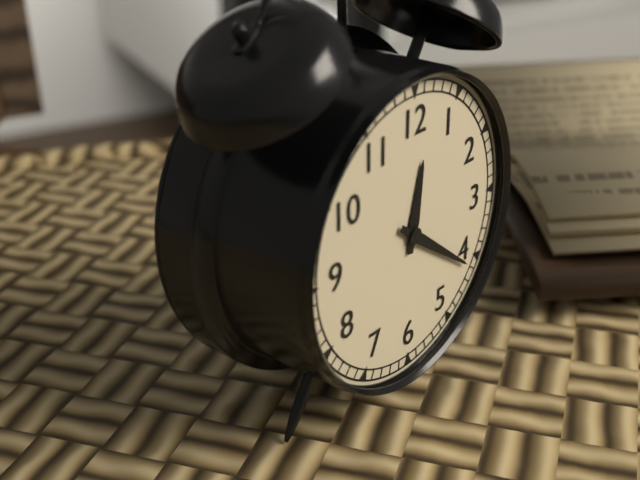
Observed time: 12:21
